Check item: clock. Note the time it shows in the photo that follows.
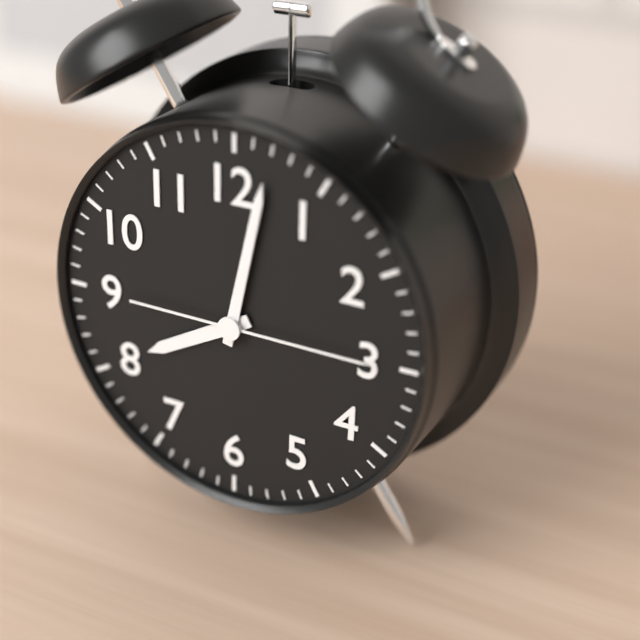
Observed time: 8:02:15
